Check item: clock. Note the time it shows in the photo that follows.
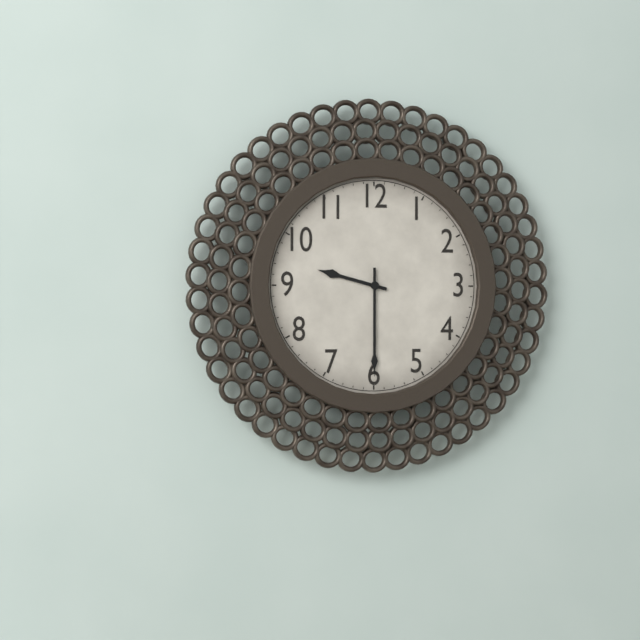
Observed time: 9:30
